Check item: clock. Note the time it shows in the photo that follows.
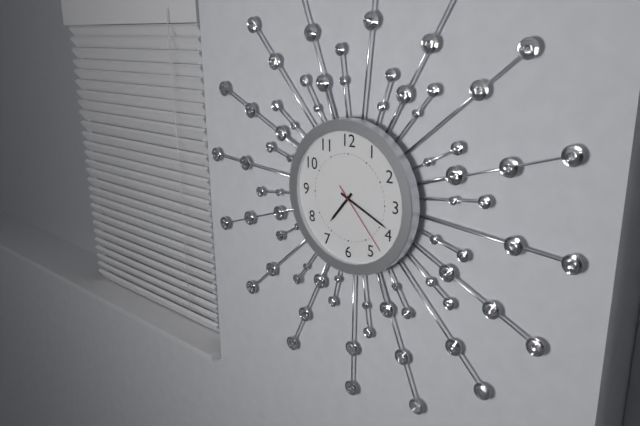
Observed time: 7:19:23
